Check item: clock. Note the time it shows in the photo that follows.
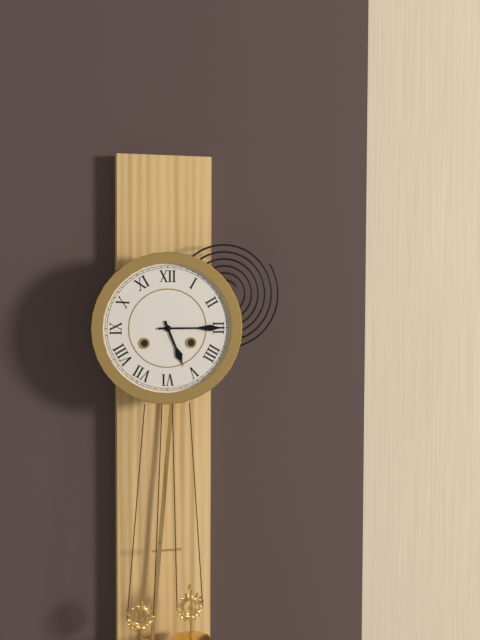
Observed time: 5:15
